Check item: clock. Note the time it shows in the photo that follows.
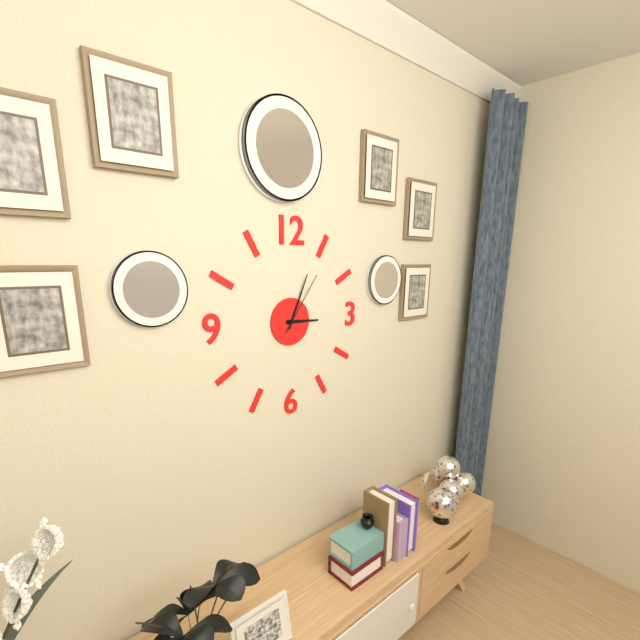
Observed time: 3:04:06
